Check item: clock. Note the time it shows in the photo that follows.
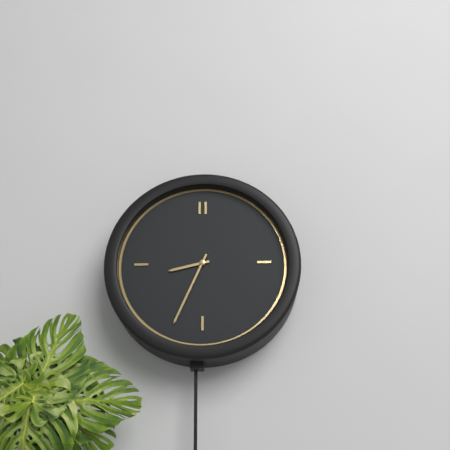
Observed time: 8:34
